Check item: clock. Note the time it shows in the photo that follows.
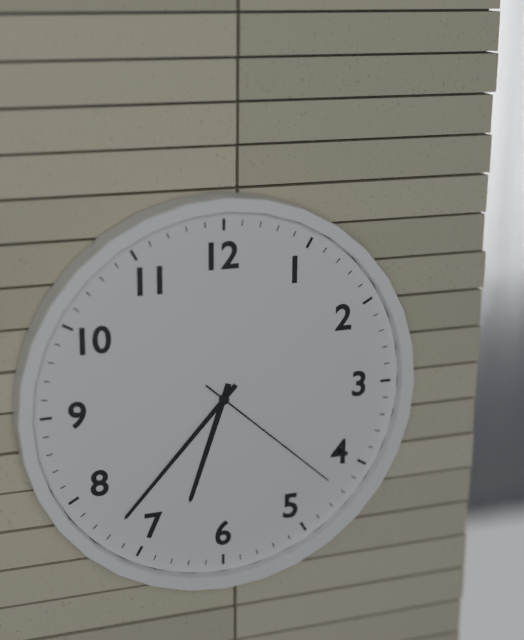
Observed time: 6:37:22
